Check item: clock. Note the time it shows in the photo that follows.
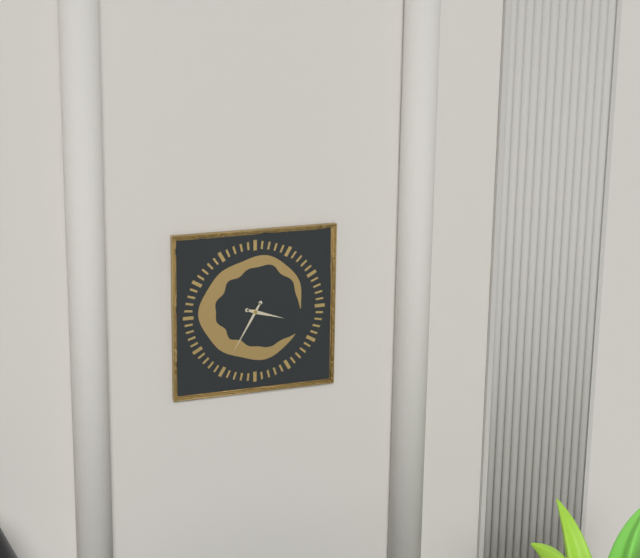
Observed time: 3:35
